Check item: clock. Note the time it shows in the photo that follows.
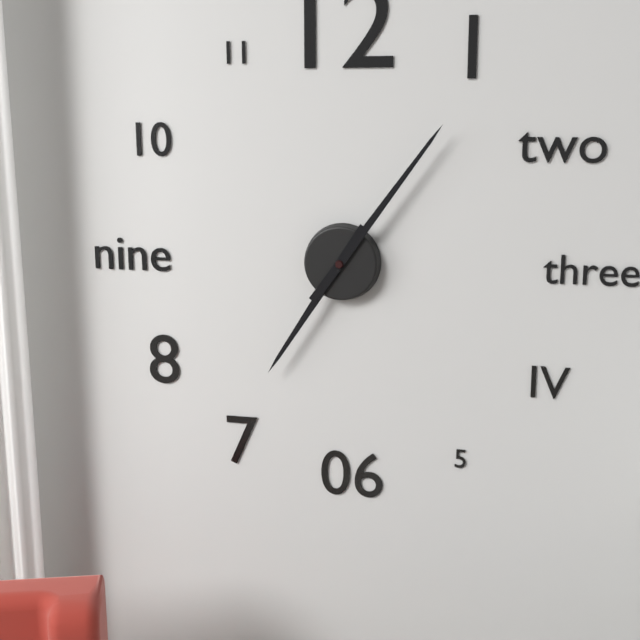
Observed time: 7:06
